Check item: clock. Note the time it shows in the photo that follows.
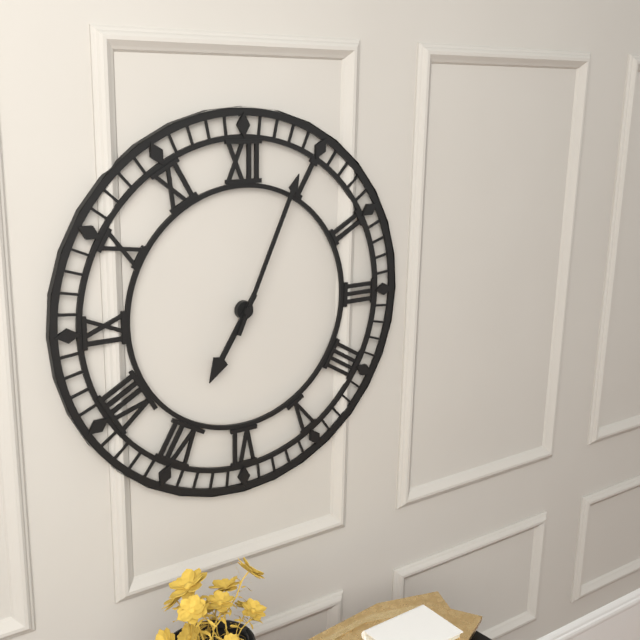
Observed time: 7:04
